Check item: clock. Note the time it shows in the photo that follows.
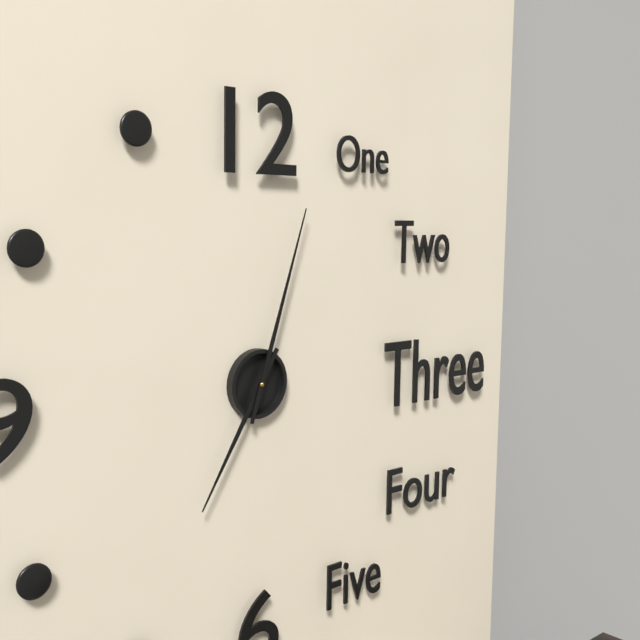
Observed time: 7:03
